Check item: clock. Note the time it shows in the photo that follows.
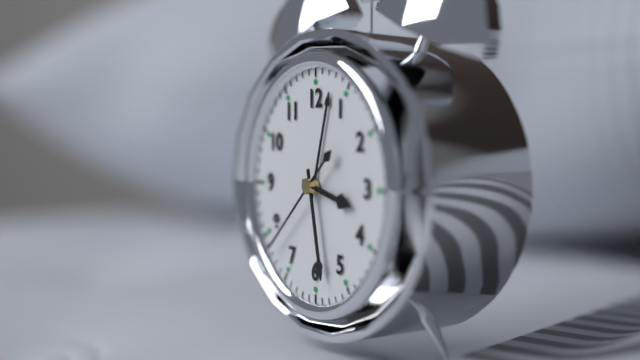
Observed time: 3:28:38
